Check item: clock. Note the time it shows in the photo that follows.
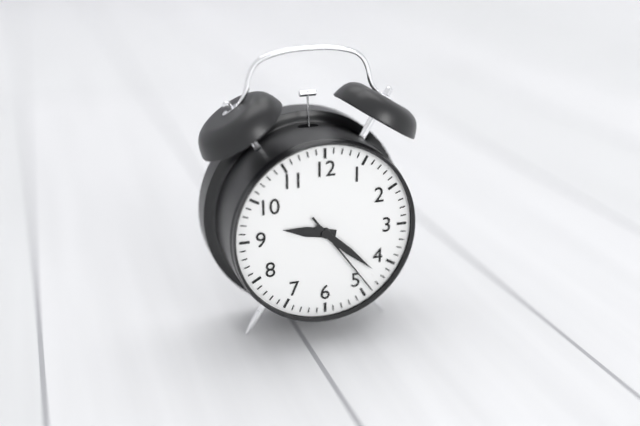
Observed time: 9:22:24
